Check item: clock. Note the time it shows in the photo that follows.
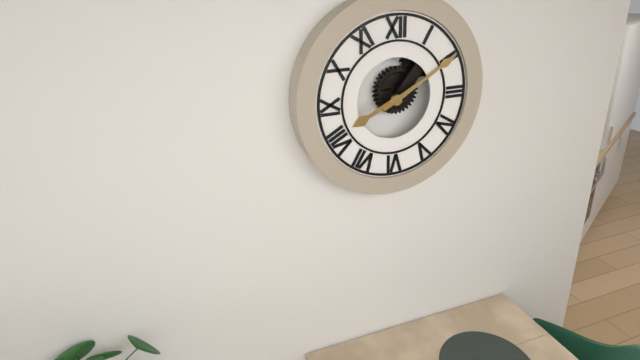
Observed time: 8:10
